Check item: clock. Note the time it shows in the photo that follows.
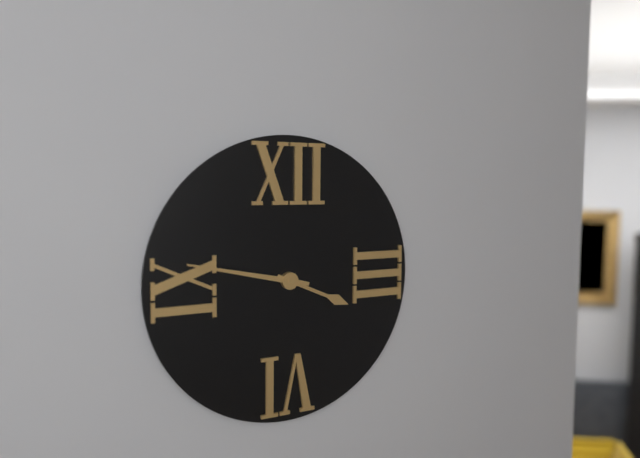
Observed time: 3:47
